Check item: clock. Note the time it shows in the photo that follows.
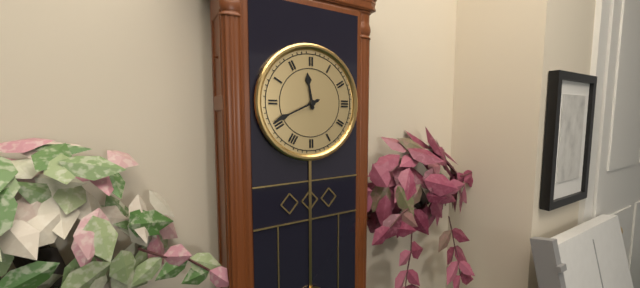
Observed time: 11:41
